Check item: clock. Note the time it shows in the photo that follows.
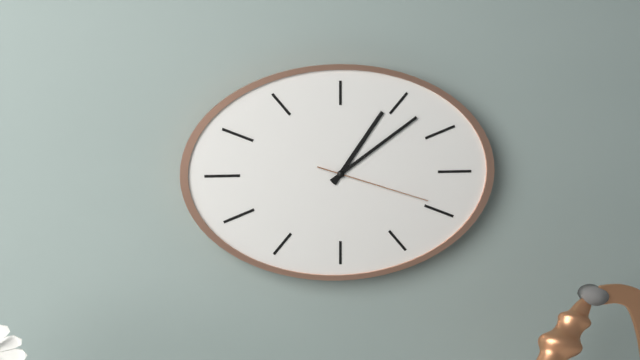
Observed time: 1:09:18
